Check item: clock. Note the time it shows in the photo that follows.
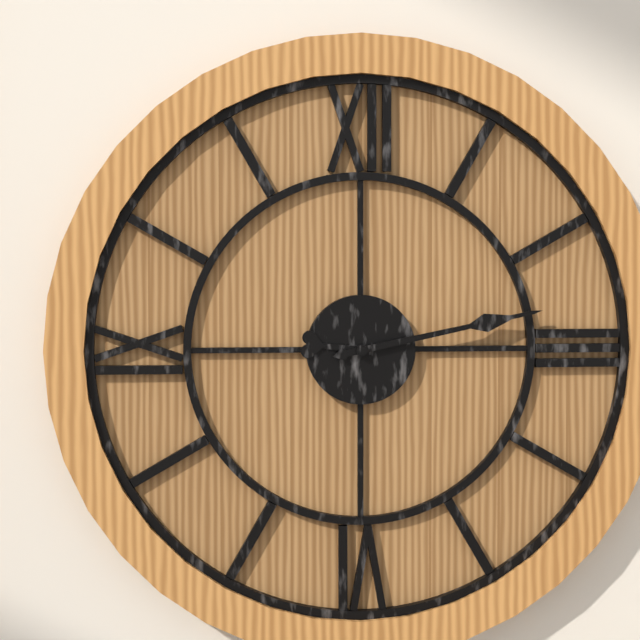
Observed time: 9:13
